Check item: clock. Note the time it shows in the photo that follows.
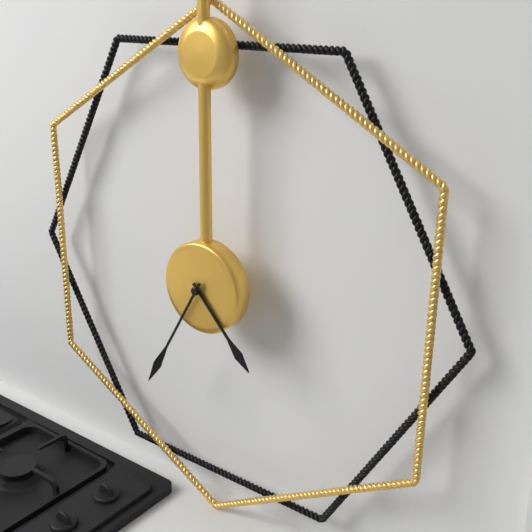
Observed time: 4:35
